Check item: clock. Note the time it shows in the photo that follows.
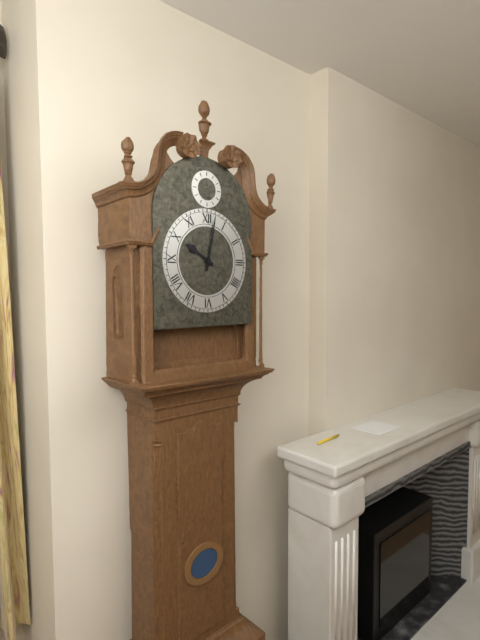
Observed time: 10:02
